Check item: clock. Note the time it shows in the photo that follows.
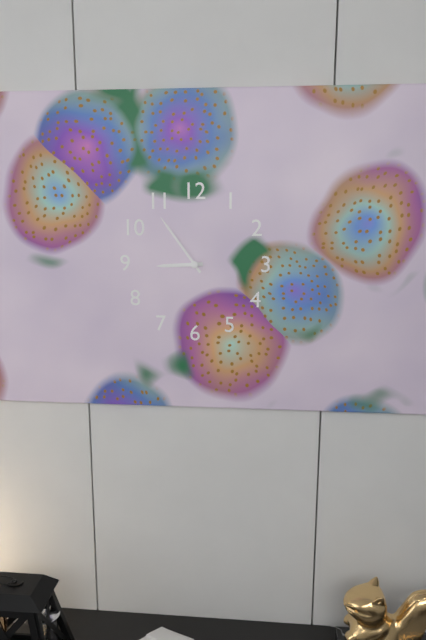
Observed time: 8:54
